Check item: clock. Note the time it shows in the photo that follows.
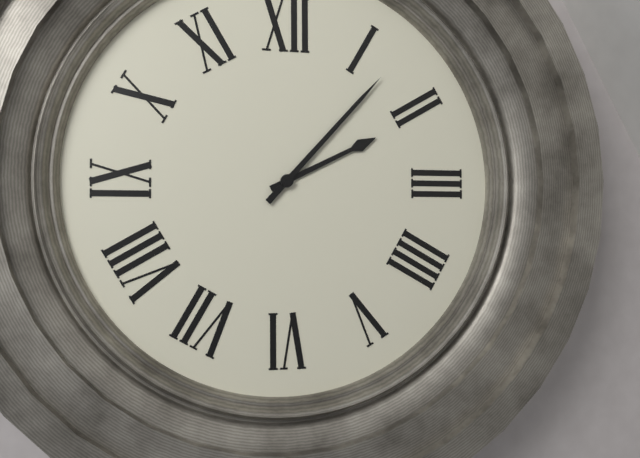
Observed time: 2:07
